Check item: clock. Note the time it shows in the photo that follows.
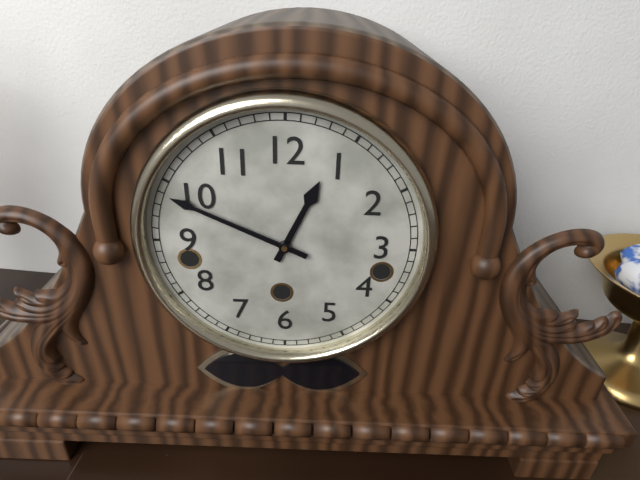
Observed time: 12:49
